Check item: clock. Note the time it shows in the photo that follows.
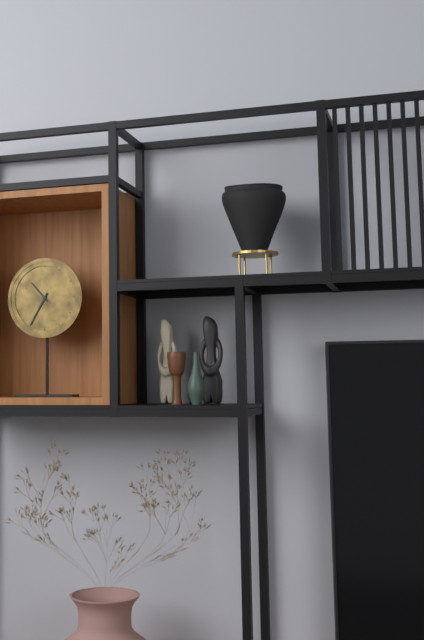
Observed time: 10:35
